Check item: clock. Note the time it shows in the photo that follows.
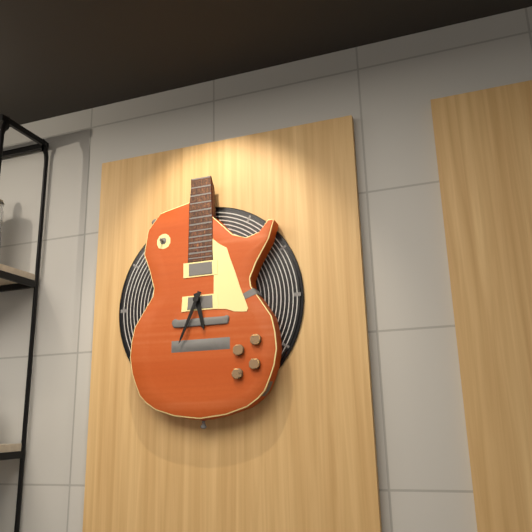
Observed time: 5:34
